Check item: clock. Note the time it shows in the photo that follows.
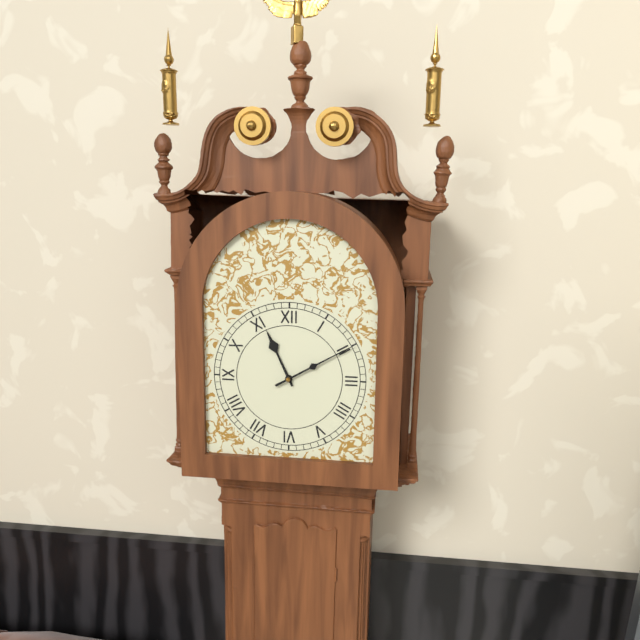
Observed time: 11:10
